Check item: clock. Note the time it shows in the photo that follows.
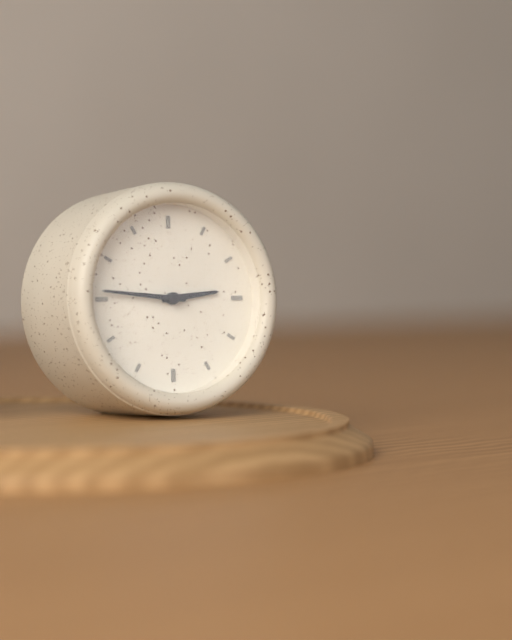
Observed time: 2:46
